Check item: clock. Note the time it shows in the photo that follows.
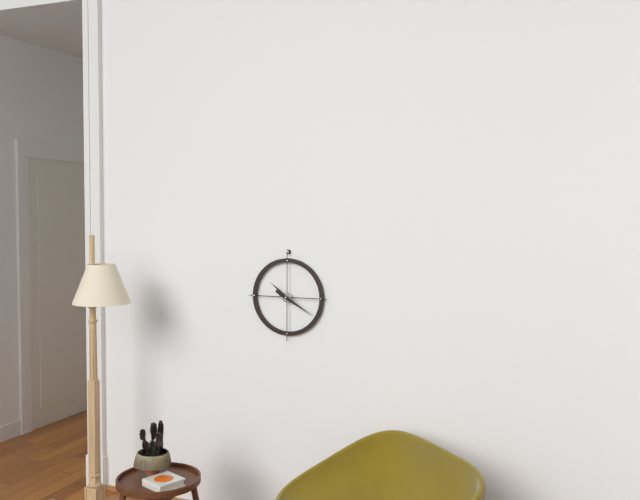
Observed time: 10:20
